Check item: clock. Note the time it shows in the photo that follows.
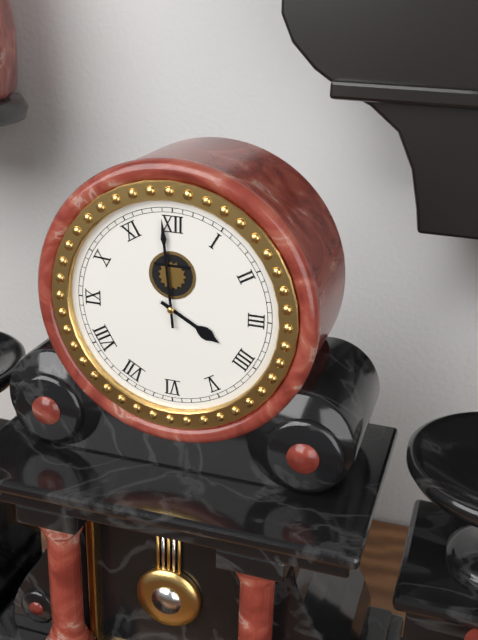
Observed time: 3:59
